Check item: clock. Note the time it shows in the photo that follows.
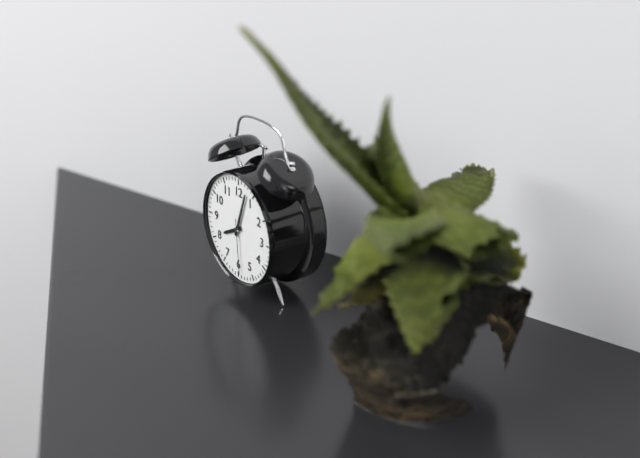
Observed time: 8:03:29
